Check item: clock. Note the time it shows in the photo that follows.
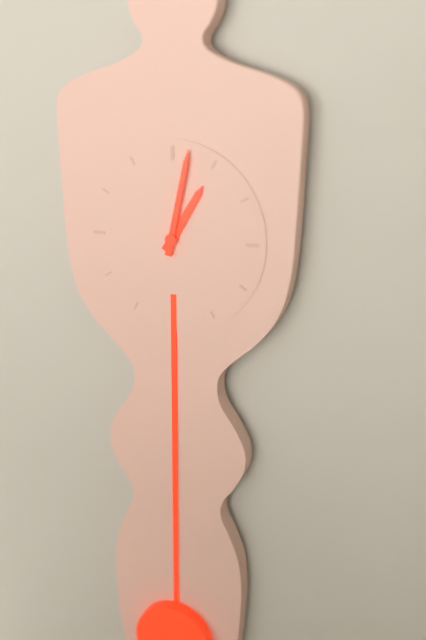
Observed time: 1:02
